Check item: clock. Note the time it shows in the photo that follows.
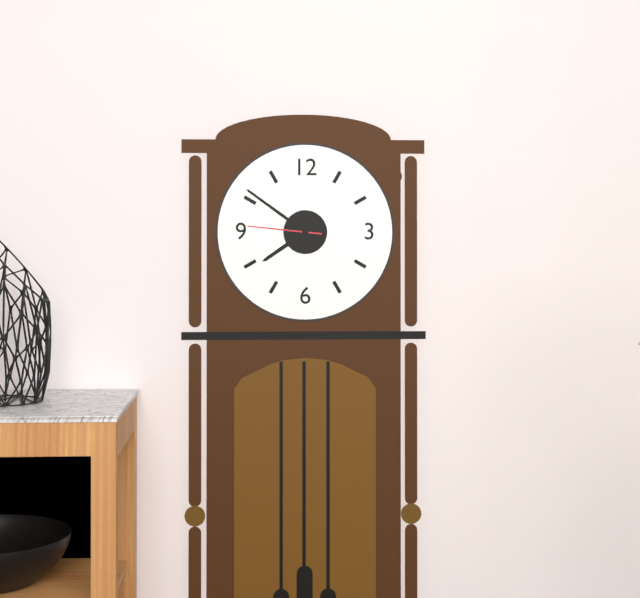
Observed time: 7:51:46
